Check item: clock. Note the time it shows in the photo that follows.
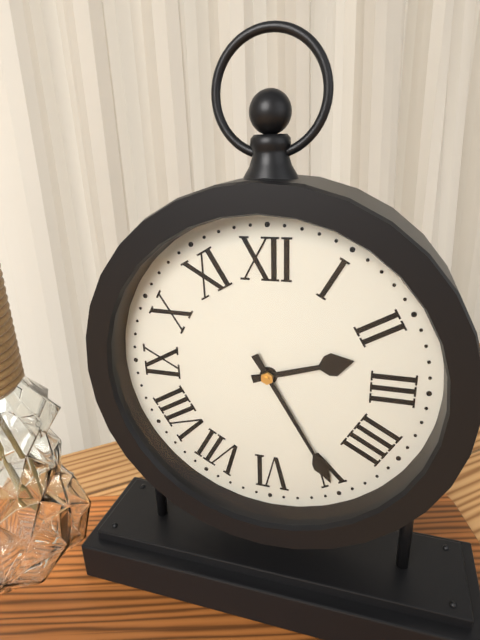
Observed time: 2:25
